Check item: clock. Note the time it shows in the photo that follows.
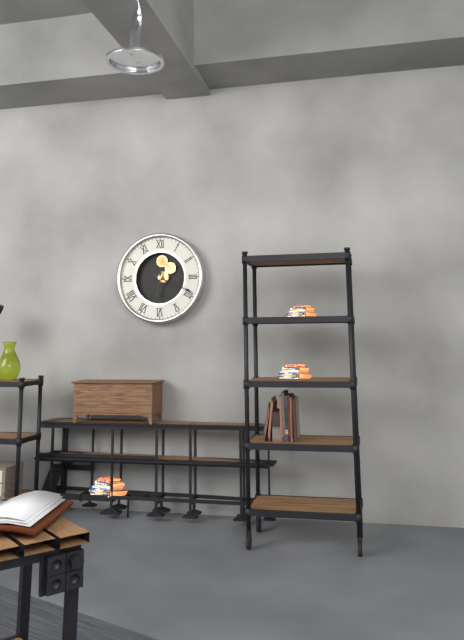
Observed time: 6:19
